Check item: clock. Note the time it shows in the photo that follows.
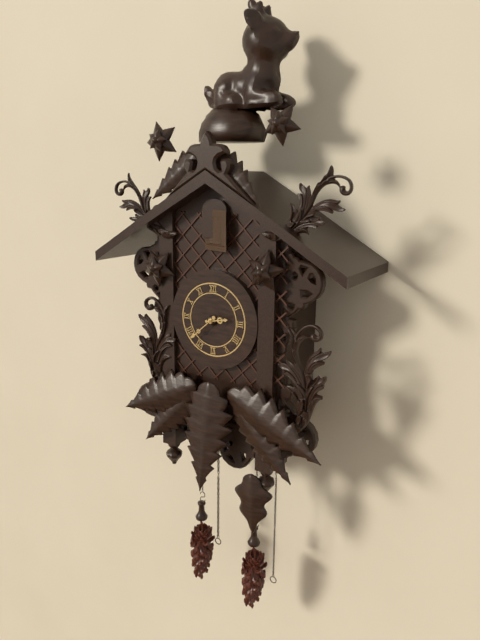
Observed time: 2:38
